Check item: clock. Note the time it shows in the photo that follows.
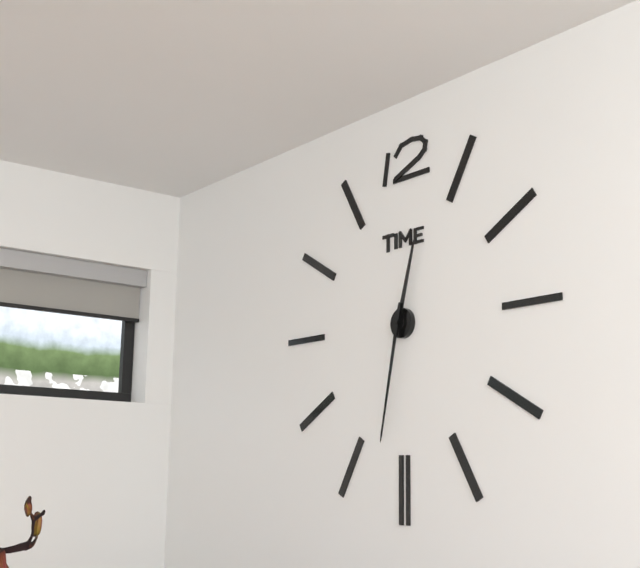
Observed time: 12:32
